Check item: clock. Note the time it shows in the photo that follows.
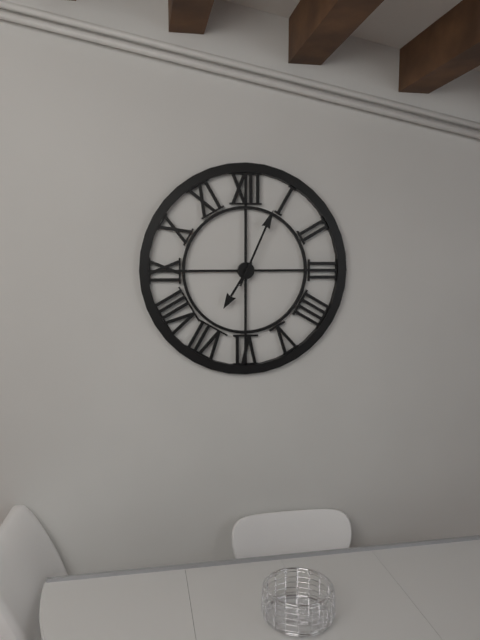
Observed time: 7:04
